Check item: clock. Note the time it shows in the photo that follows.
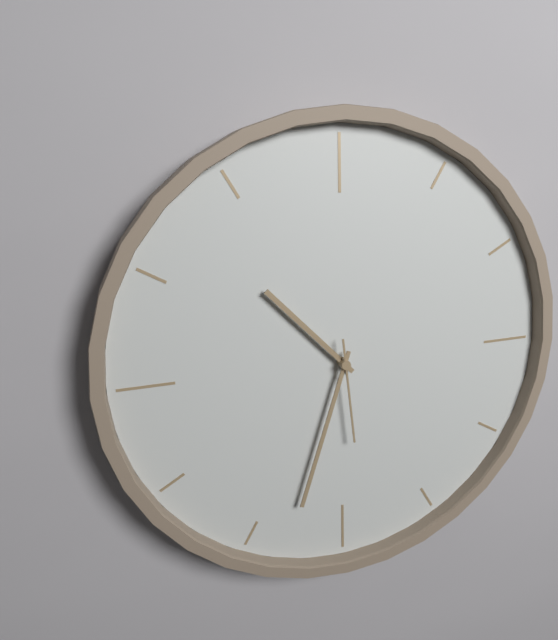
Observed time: 10:33:29
